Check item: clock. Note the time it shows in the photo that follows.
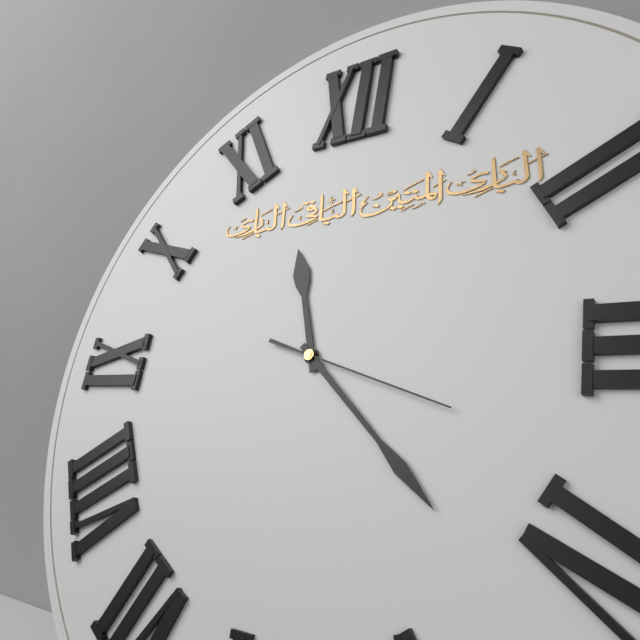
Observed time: 11:22:18
